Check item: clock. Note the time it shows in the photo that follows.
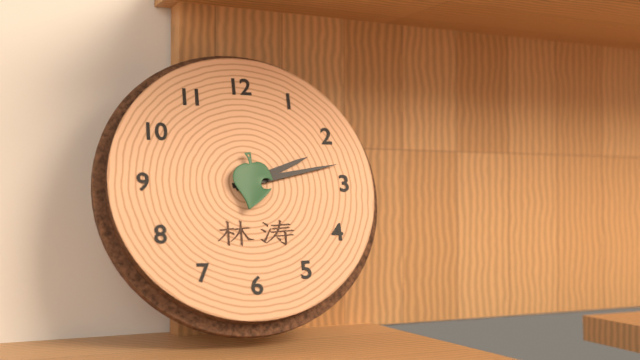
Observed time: 2:13
